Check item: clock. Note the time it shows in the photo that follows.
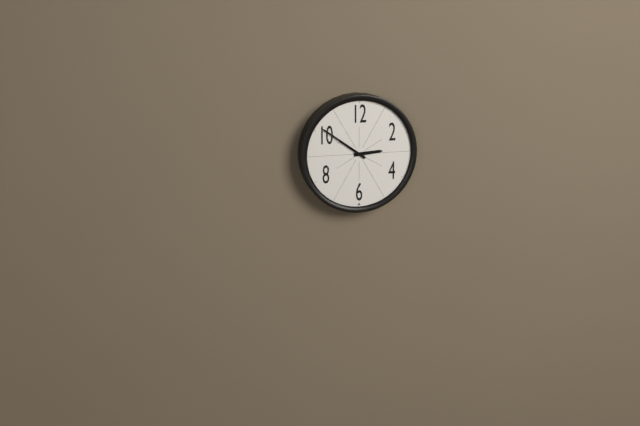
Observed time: 2:51
